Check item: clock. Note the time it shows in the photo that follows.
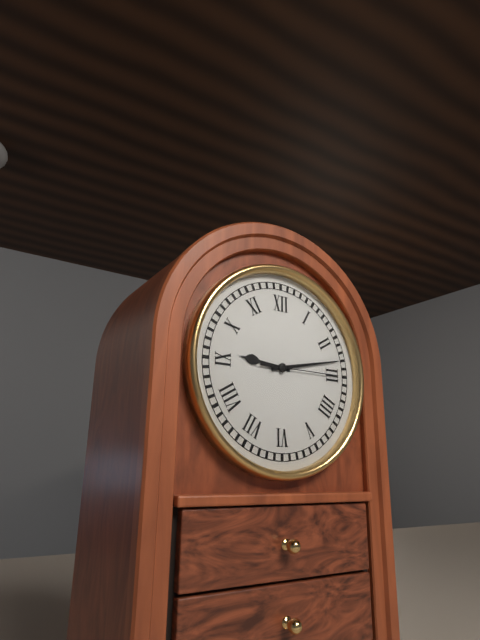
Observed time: 9:13:15
